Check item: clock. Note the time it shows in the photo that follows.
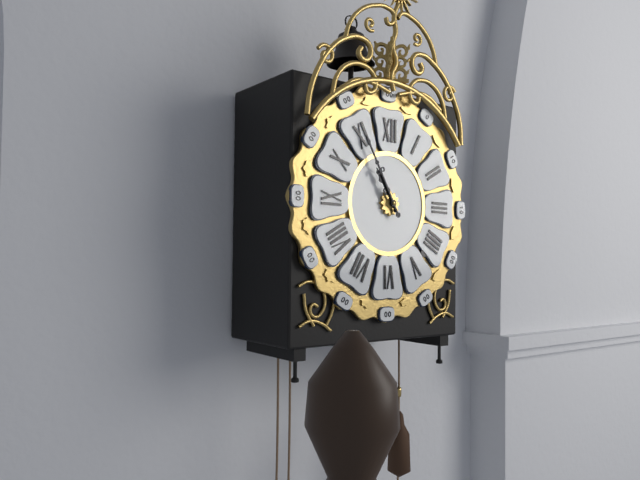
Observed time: 10:55
